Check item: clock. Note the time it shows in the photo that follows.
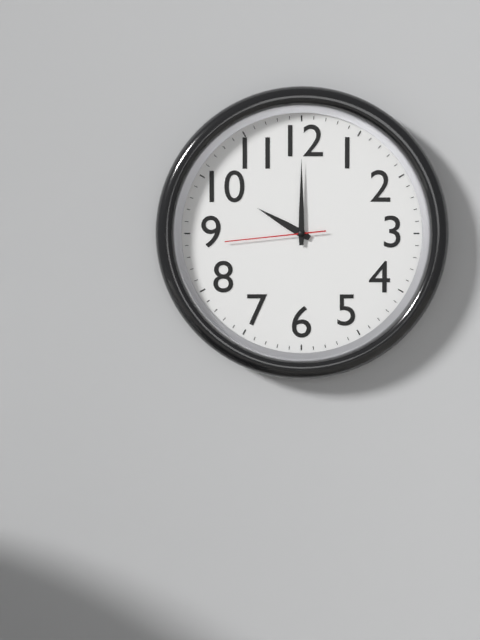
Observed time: 10:00:44
